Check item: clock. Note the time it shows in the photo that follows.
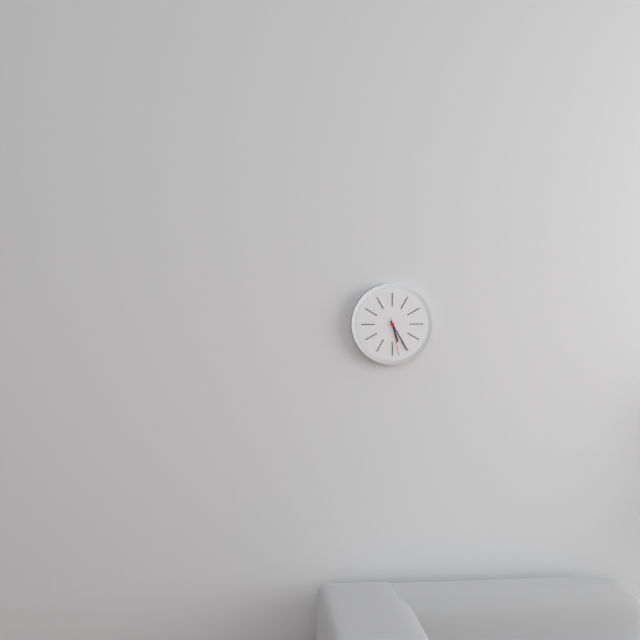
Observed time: 5:25
